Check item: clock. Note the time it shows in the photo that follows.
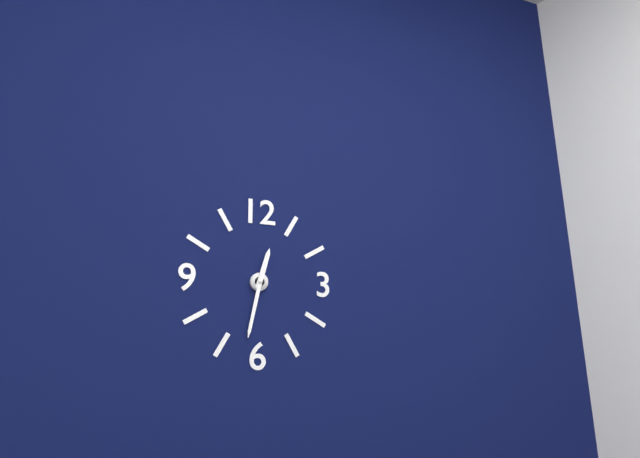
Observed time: 12:32
